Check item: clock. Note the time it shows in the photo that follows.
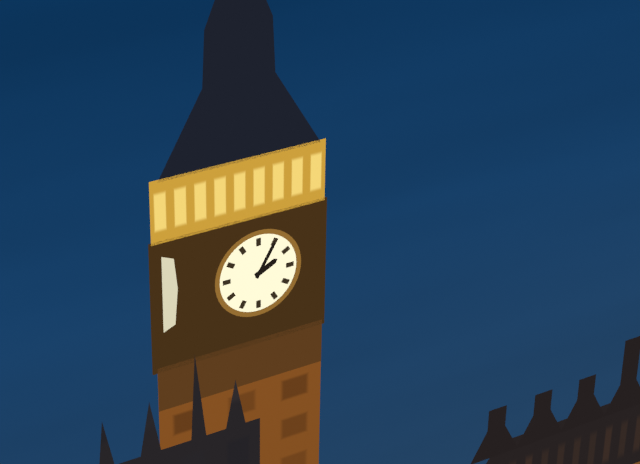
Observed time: 2:05
